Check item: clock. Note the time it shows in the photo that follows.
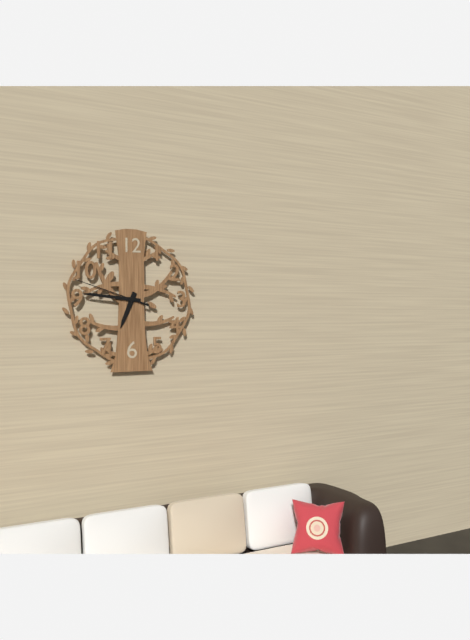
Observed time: 6:46:48
